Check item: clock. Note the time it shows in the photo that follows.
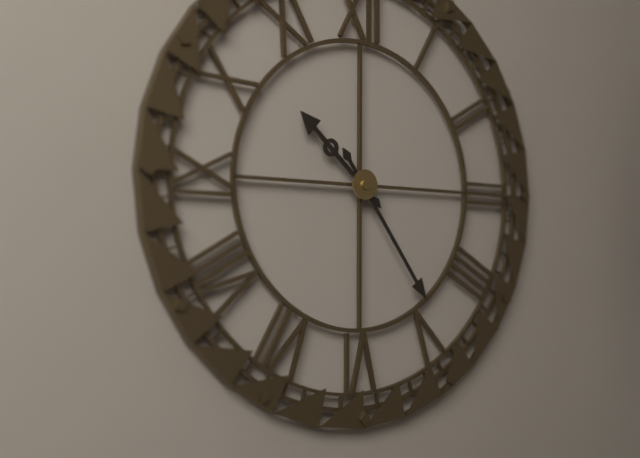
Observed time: 10:24
